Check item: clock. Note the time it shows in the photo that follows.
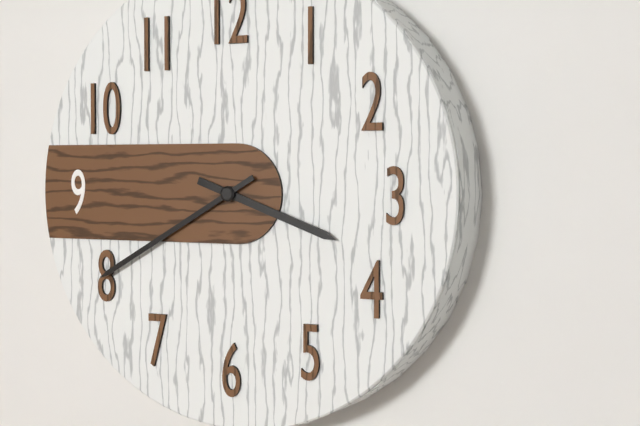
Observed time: 3:40
